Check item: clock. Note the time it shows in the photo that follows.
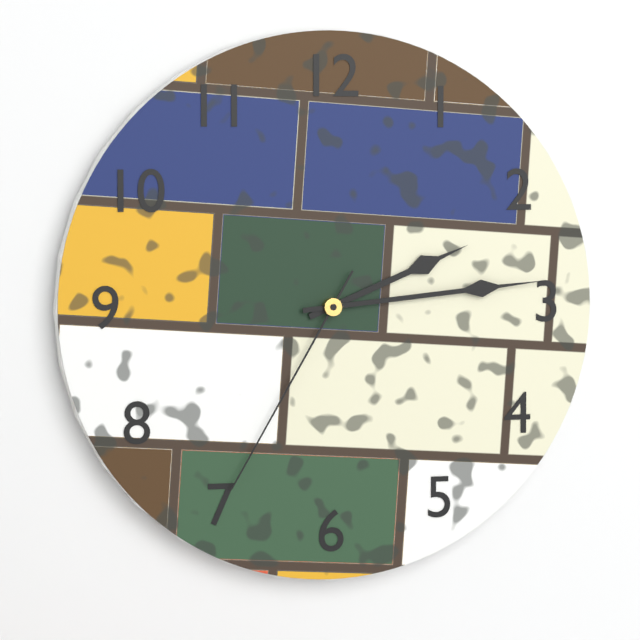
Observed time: 2:14:35
